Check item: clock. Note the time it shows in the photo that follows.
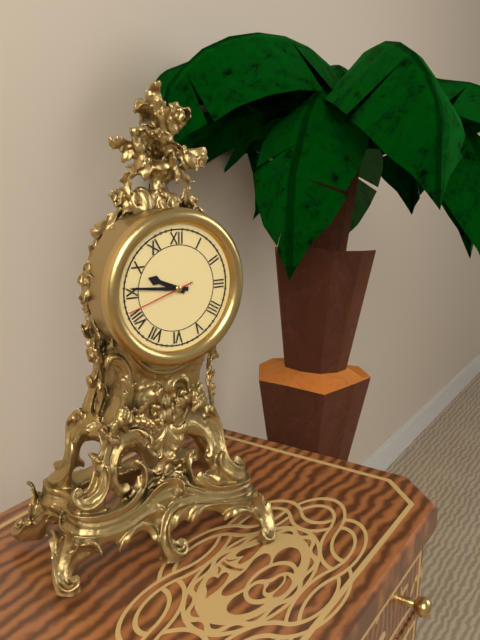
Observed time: 9:46:42
